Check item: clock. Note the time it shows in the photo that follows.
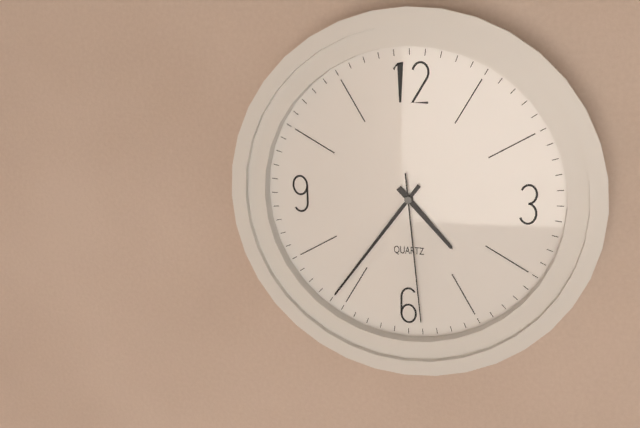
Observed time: 4:36:29
